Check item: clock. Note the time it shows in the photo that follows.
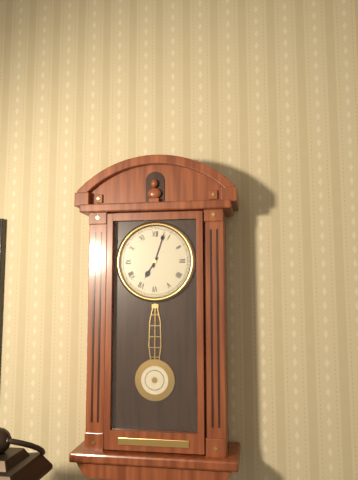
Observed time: 7:03
